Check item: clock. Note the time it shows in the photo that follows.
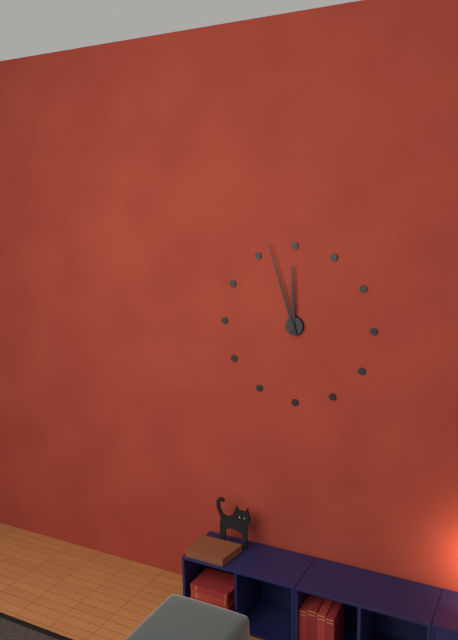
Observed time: 11:57
